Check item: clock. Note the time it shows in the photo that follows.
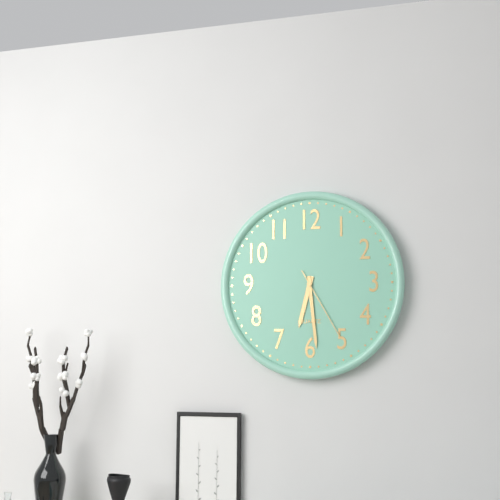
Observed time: 6:29:25
